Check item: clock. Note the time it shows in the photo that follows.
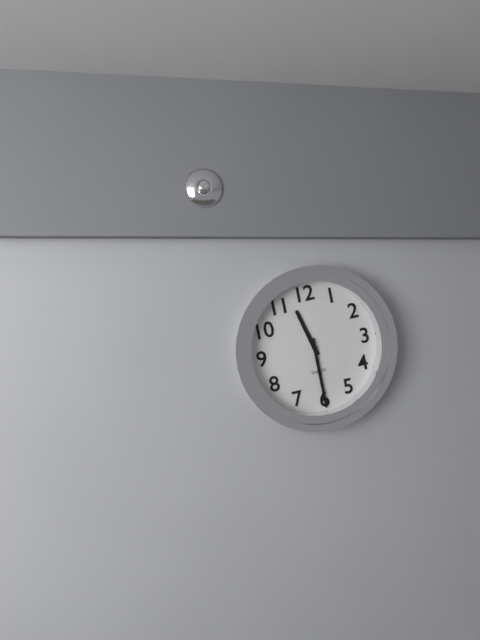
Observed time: 11:30
